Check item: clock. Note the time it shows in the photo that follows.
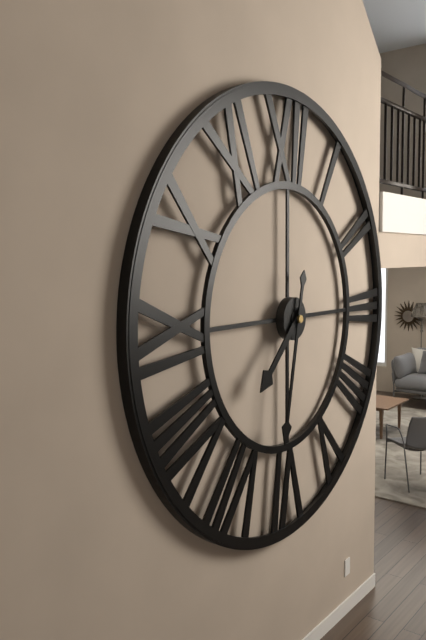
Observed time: 7:32
